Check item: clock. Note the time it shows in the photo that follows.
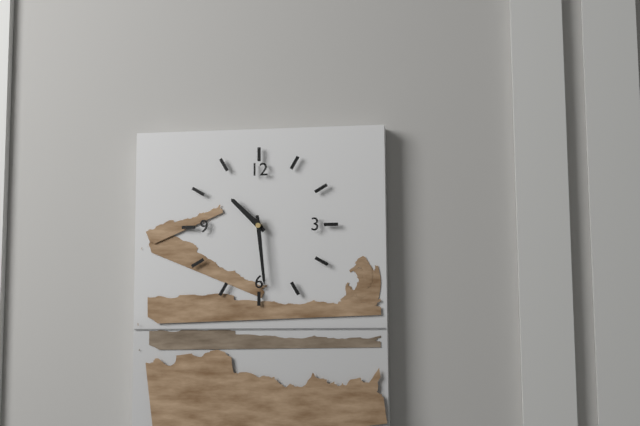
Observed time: 10:29
